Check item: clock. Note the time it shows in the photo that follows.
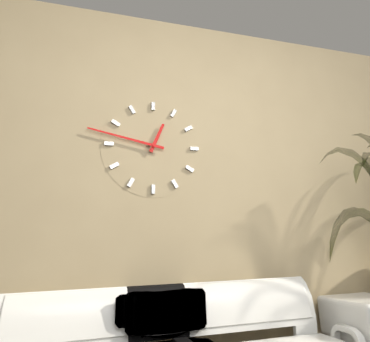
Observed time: 12:47
